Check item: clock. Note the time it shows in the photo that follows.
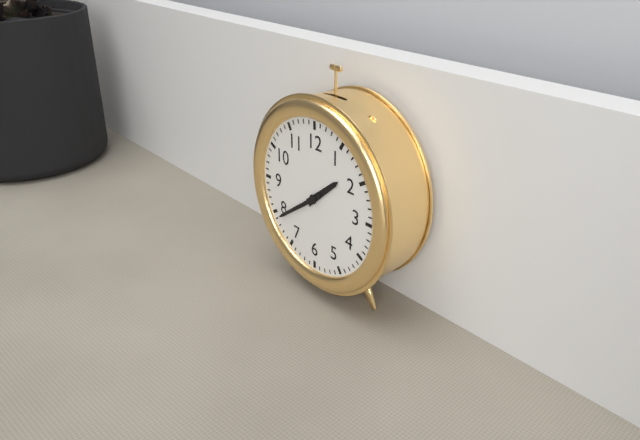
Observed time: 1:39
